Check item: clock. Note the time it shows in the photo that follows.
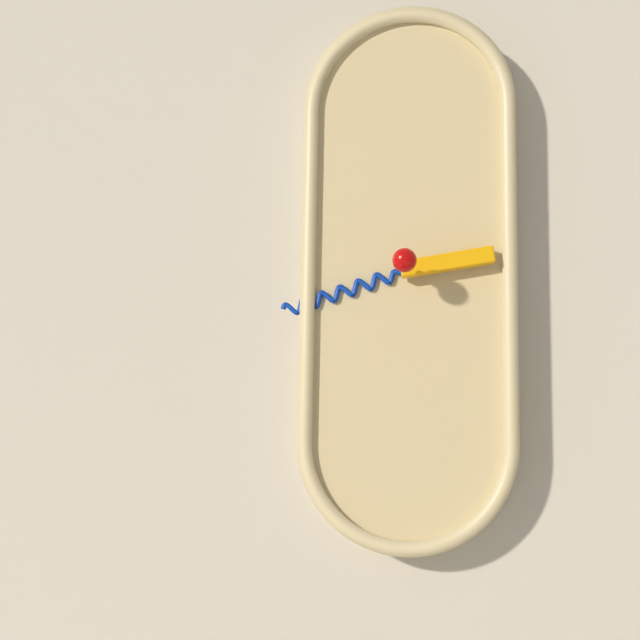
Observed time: 2:42
